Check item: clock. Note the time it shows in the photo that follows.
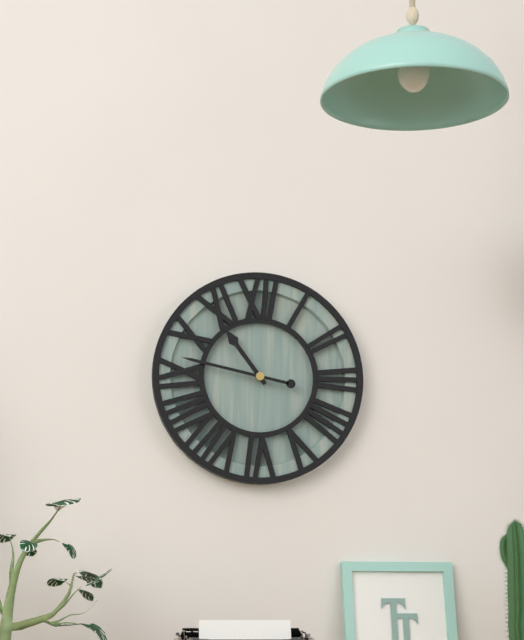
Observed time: 10:47
